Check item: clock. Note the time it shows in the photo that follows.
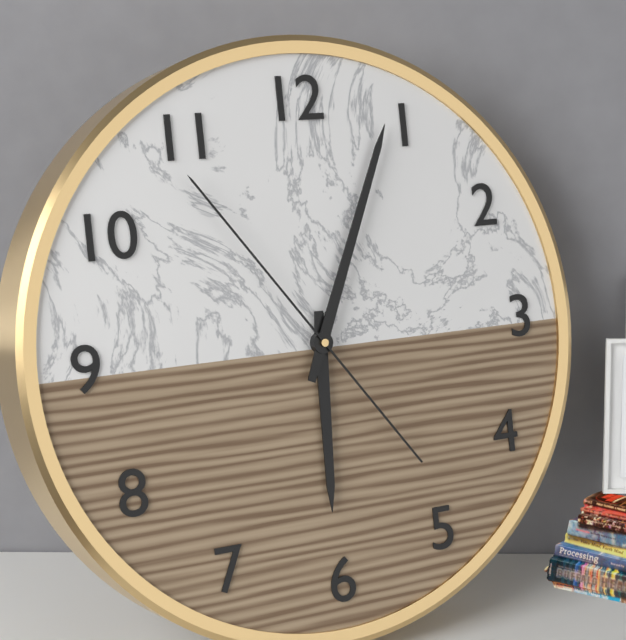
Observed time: 6:04:54
